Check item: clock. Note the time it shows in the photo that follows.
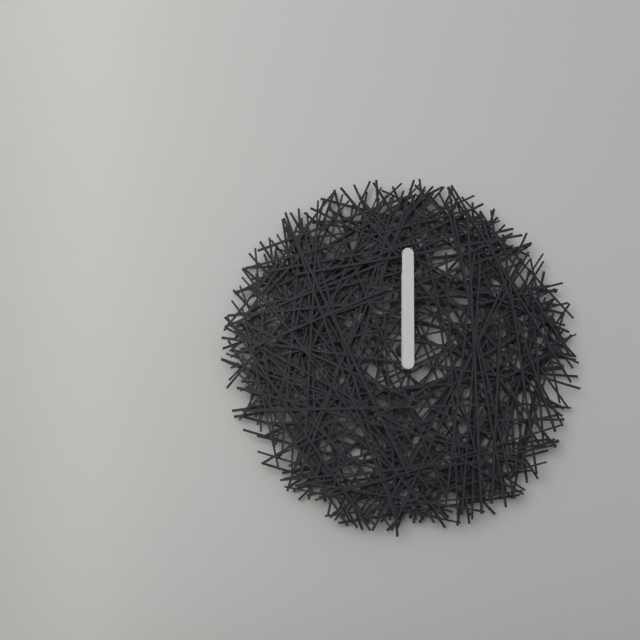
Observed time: 12:00
